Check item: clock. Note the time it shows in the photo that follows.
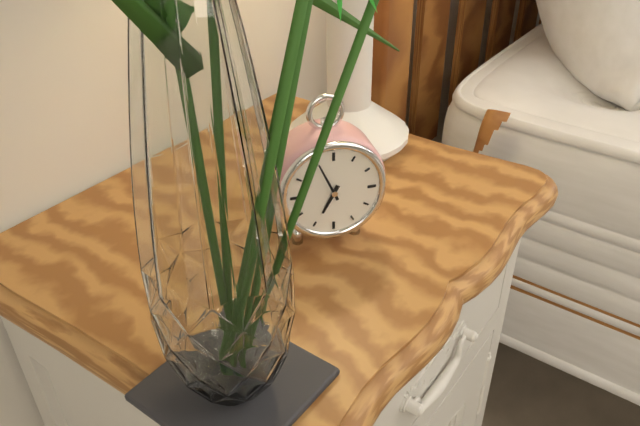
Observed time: 6:56
